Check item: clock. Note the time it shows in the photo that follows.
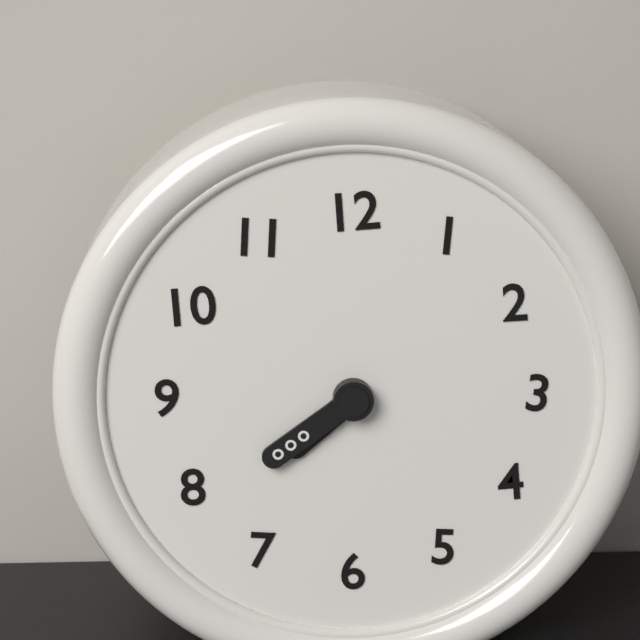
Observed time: 7:39
